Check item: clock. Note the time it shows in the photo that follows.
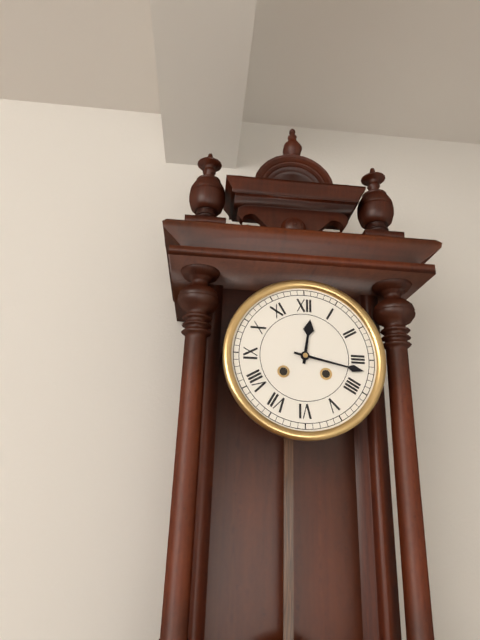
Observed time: 12:17
